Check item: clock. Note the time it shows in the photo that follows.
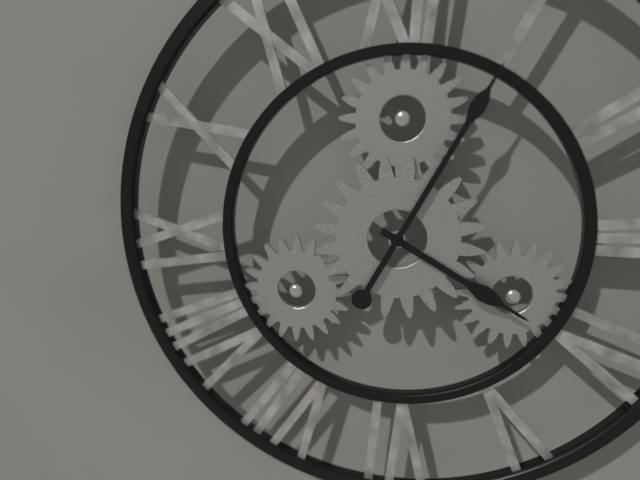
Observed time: 4:05
